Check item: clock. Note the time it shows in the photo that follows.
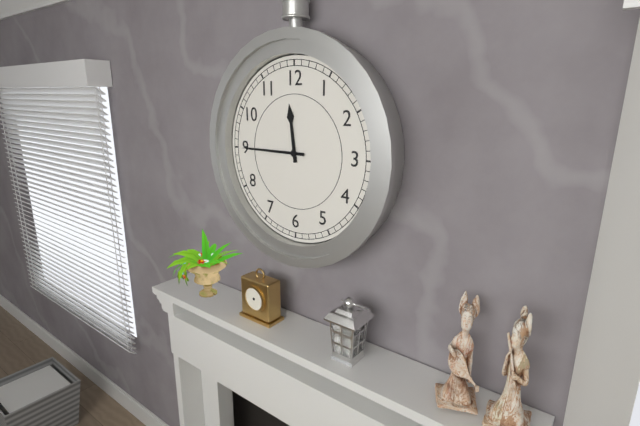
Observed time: 11:45
